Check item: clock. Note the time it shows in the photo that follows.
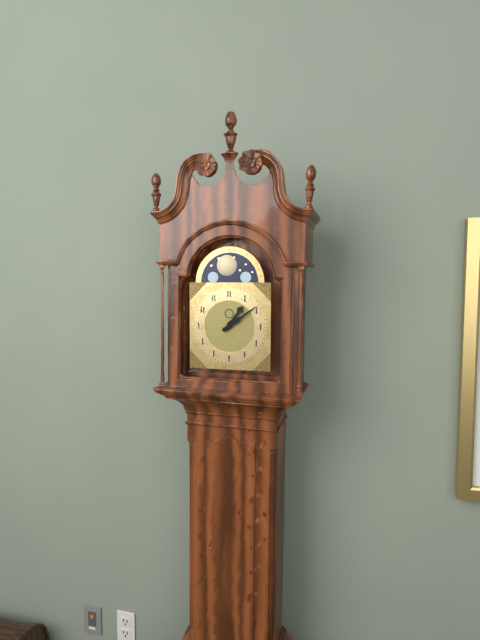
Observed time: 1:09
